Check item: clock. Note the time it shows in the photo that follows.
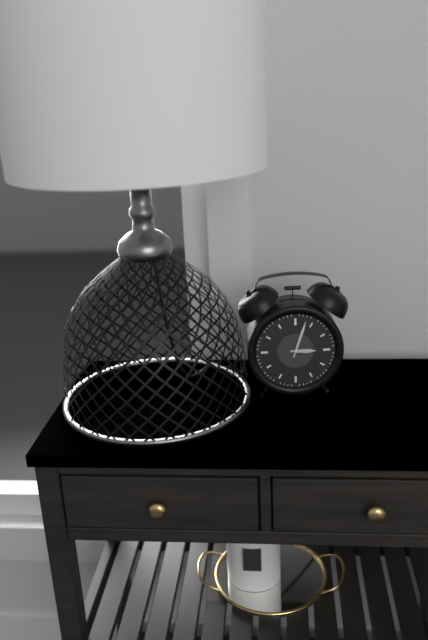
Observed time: 3:03
